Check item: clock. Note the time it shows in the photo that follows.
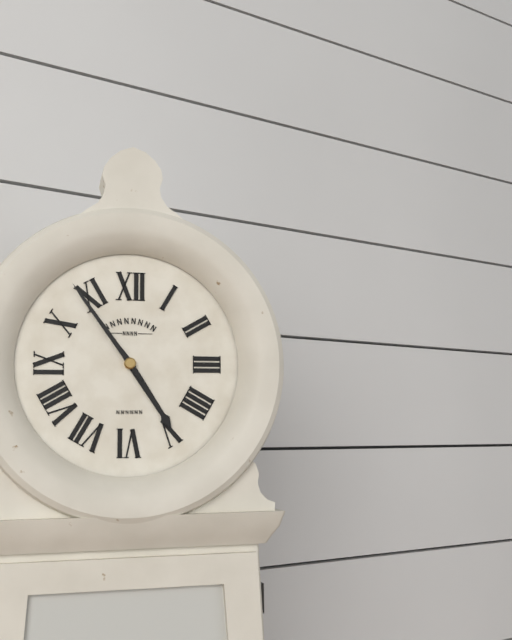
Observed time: 4:54
